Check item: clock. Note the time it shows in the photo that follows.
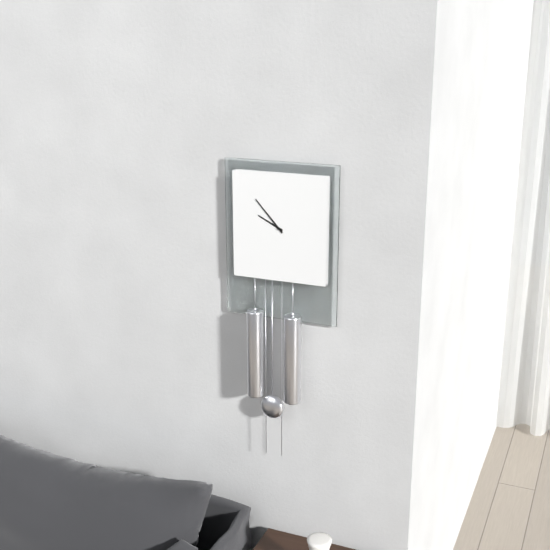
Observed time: 9:53
